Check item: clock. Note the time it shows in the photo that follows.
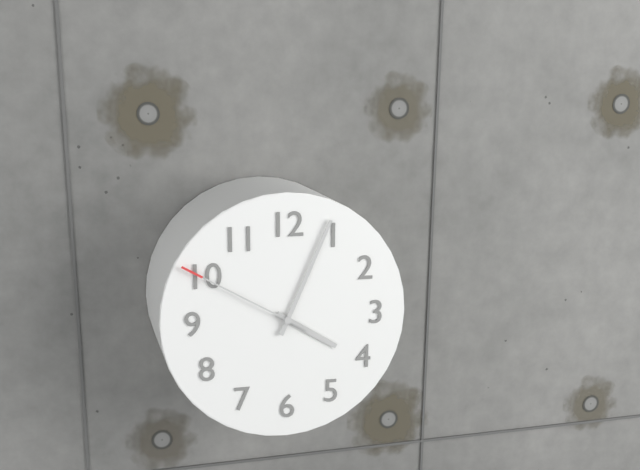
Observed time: 4:04:50
